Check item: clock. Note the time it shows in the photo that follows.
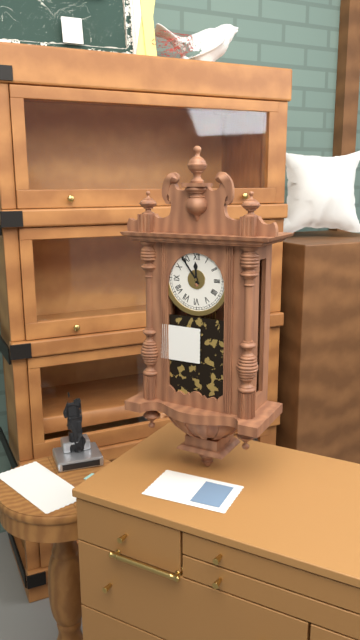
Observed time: 11:54
